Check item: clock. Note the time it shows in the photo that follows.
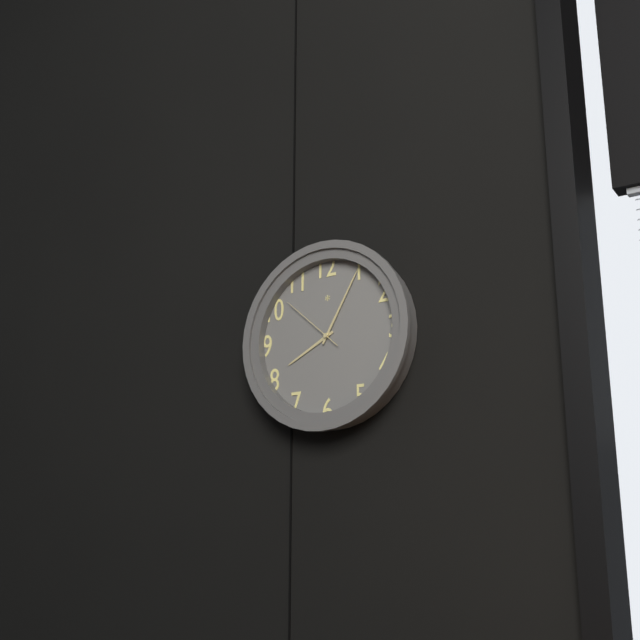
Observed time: 8:05:52
